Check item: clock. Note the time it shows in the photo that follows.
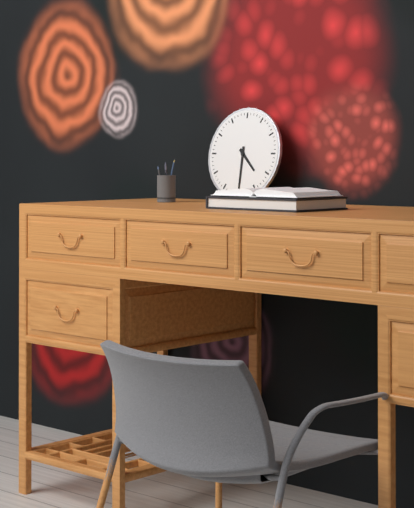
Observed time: 4:30
